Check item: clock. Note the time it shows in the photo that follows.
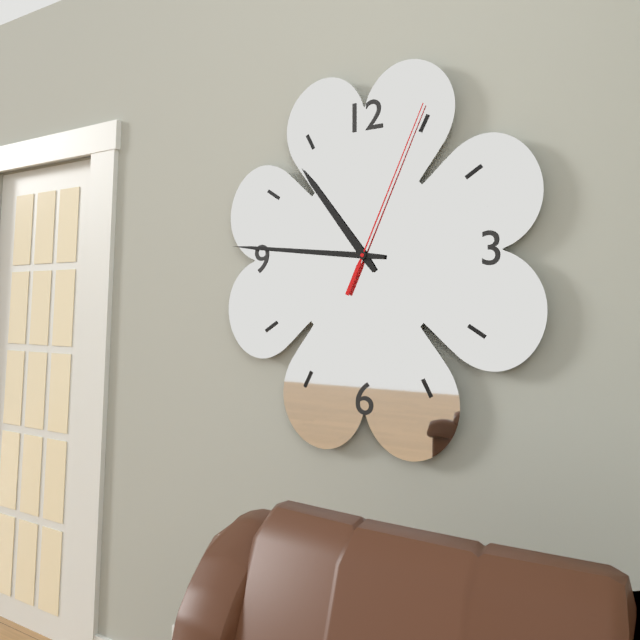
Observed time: 10:46:04
